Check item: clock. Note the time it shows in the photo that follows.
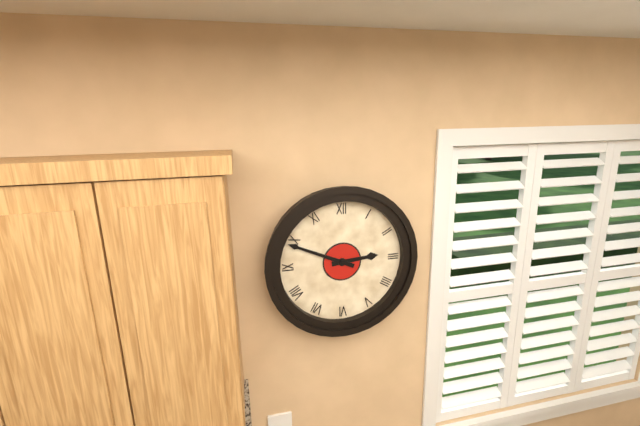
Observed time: 2:49
